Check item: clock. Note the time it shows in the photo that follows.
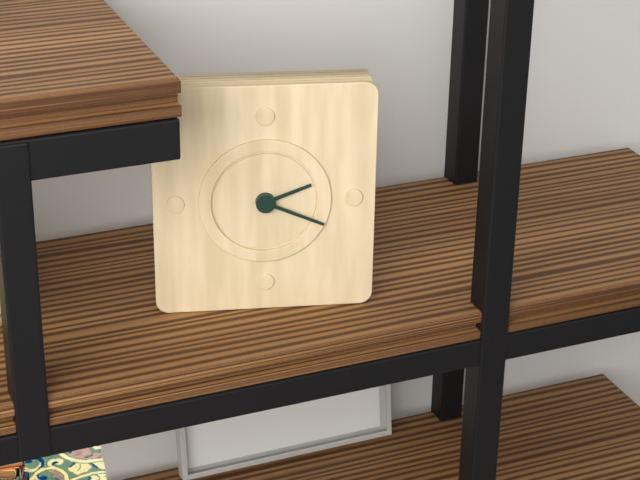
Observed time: 2:19
